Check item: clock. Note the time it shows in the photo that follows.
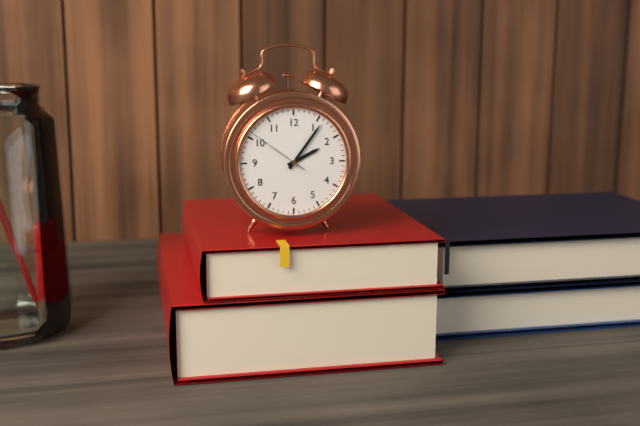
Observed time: 2:06:51
